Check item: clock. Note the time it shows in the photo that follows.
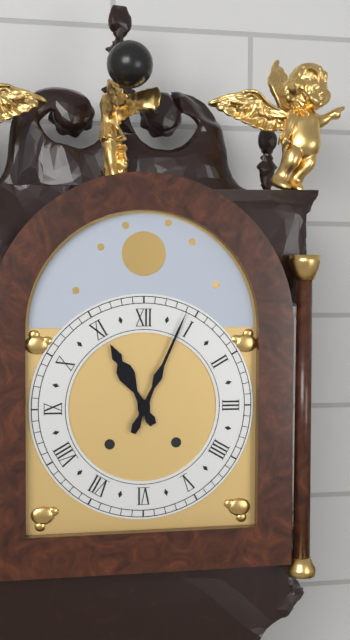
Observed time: 11:04
